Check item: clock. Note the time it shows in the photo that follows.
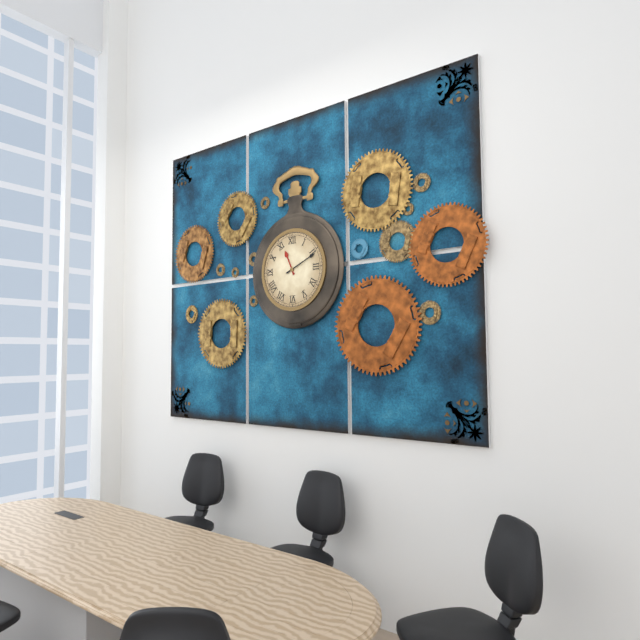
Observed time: 11:11
